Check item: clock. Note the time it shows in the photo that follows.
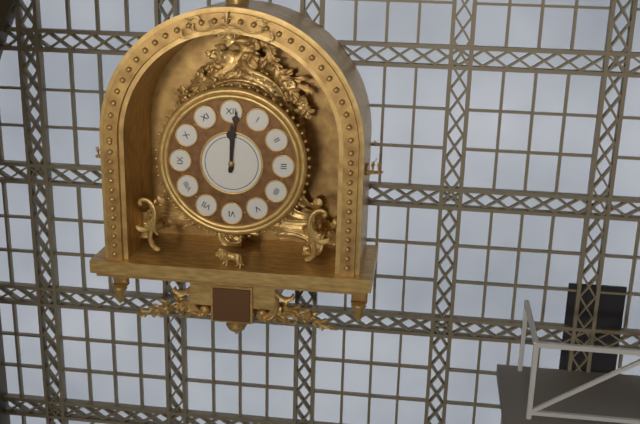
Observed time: 12:01
